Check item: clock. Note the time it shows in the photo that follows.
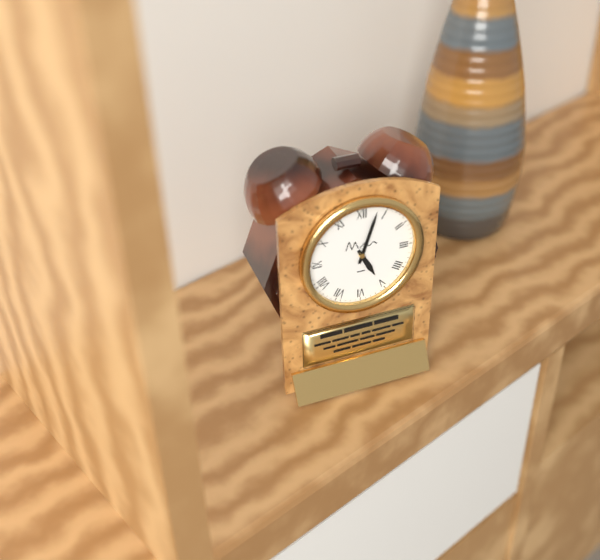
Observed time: 5:03
